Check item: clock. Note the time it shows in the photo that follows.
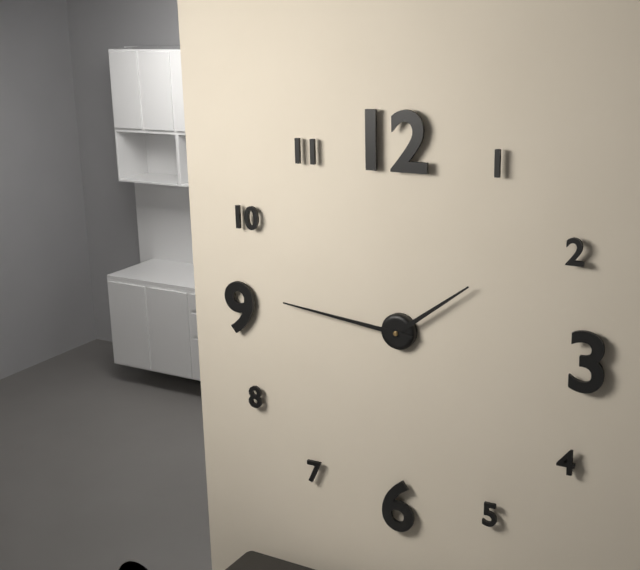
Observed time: 1:46
